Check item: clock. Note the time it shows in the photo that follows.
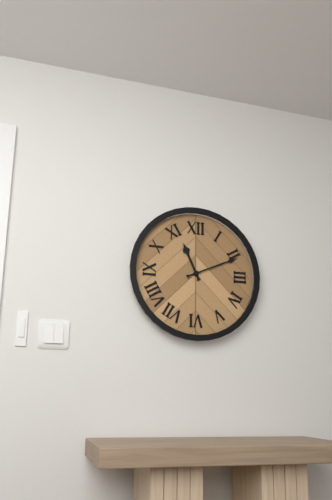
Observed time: 11:11
